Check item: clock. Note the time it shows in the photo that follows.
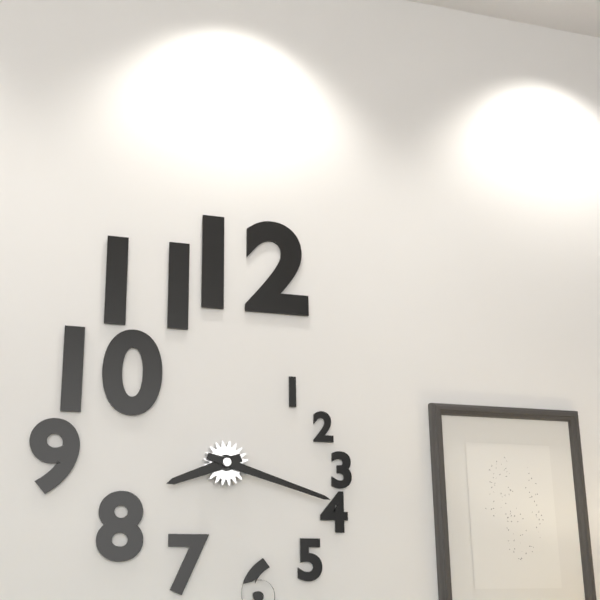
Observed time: 8:18
